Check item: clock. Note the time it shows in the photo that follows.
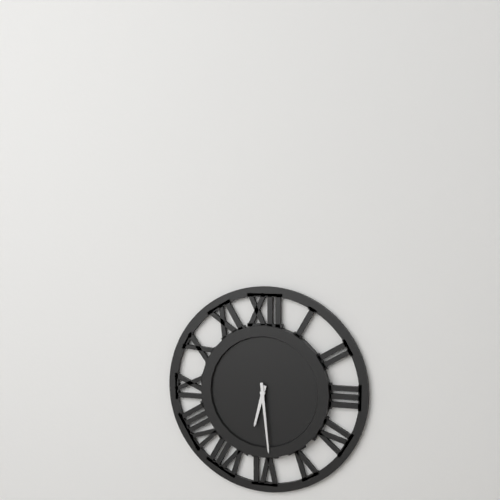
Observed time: 6:29
